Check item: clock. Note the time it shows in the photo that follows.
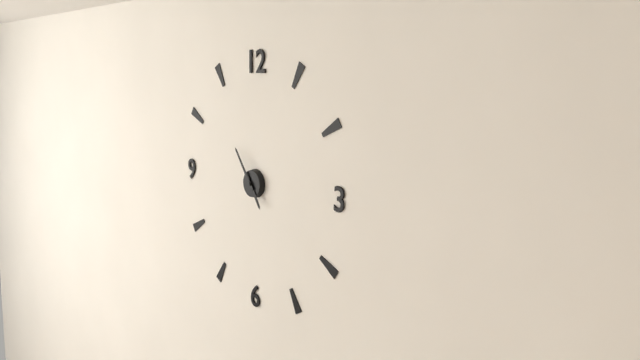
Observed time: 4:54
